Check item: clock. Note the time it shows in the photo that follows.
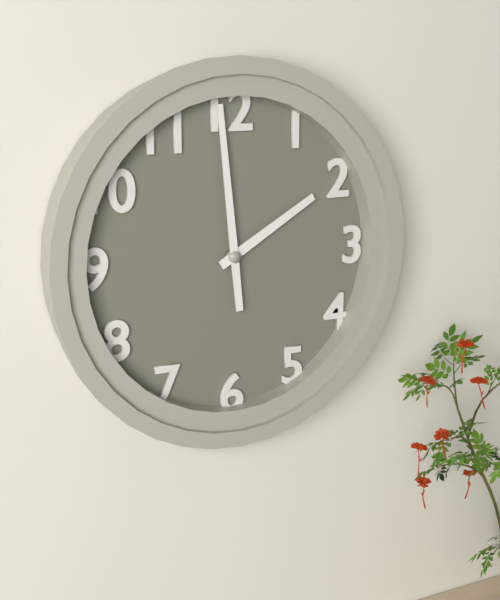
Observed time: 1:59
